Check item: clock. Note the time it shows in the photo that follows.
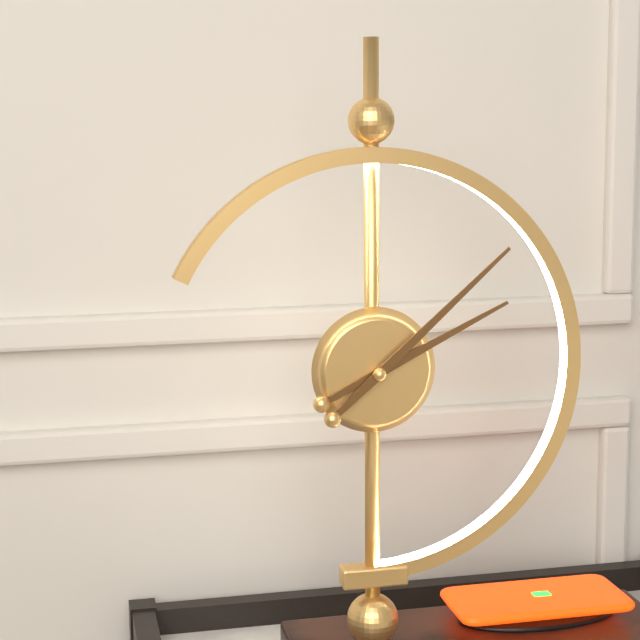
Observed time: 2:08
